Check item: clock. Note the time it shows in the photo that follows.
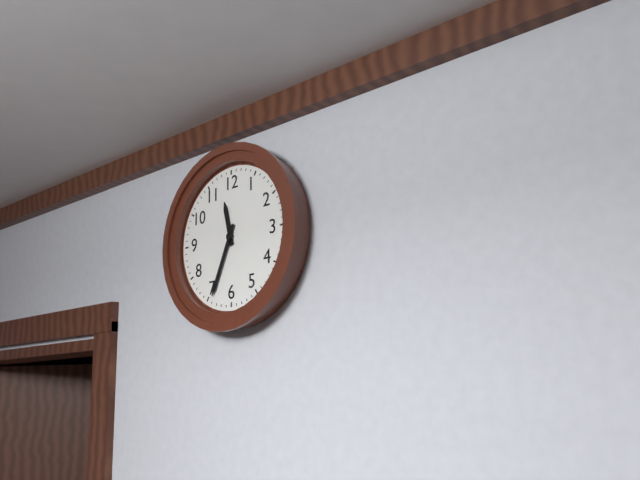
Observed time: 11:34
